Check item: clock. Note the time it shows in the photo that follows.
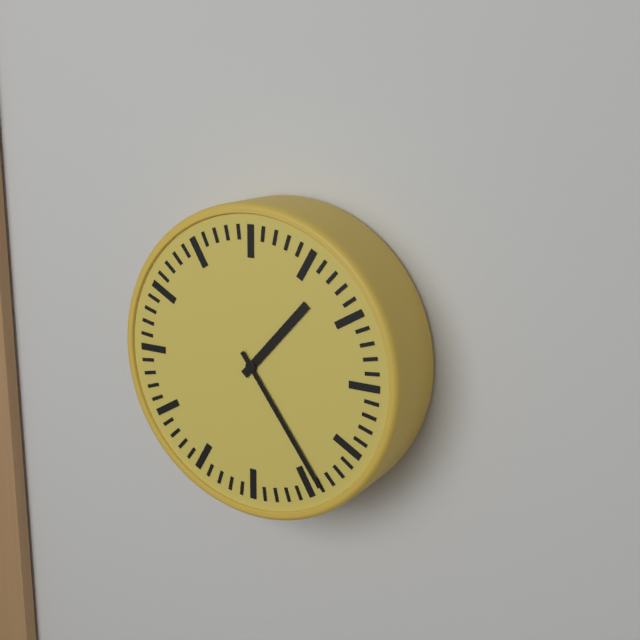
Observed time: 1:24
